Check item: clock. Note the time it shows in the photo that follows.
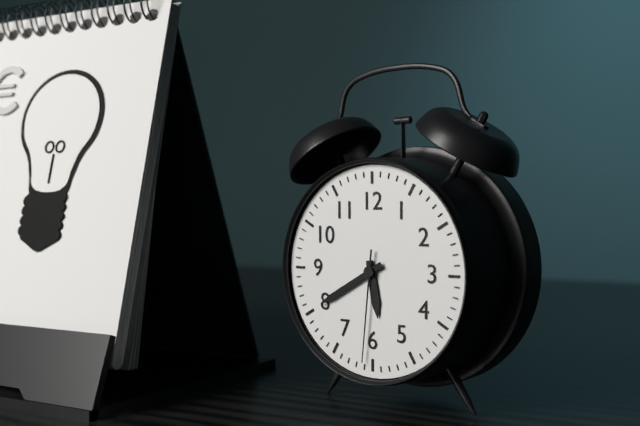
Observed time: 5:40:31
